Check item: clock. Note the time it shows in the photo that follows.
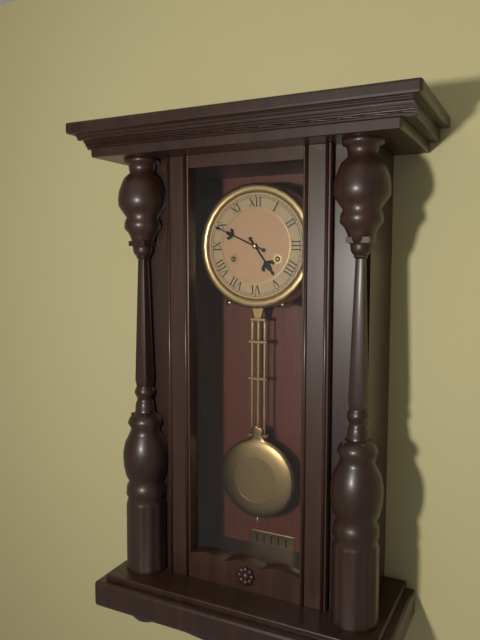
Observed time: 4:49
